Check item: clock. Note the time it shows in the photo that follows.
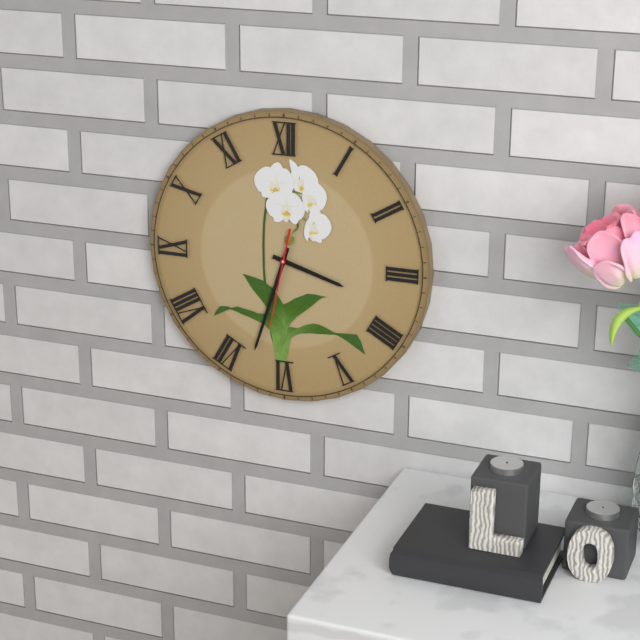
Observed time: 3:33:32
